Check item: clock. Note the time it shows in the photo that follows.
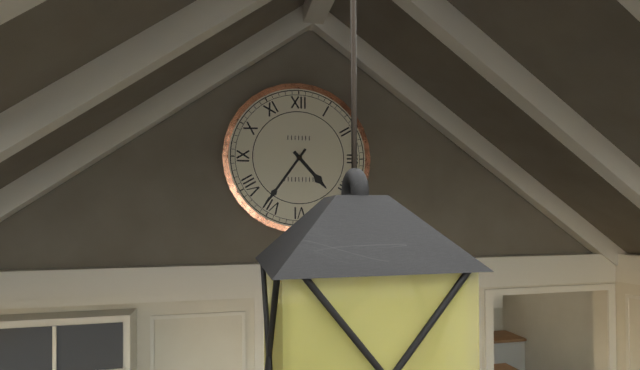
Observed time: 4:36
